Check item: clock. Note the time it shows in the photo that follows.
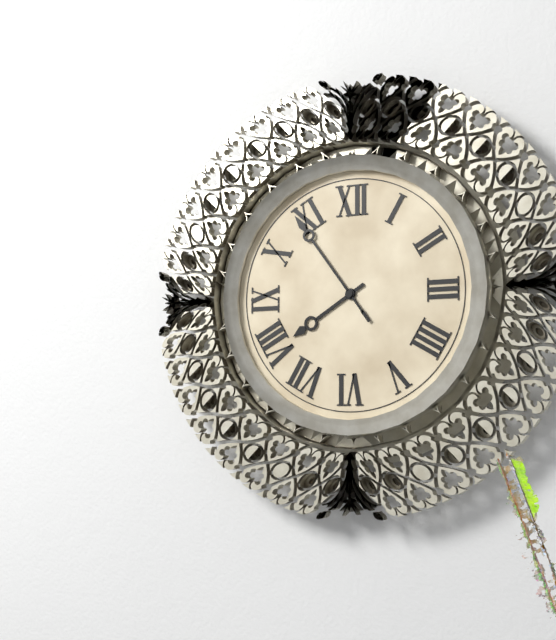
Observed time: 7:54
